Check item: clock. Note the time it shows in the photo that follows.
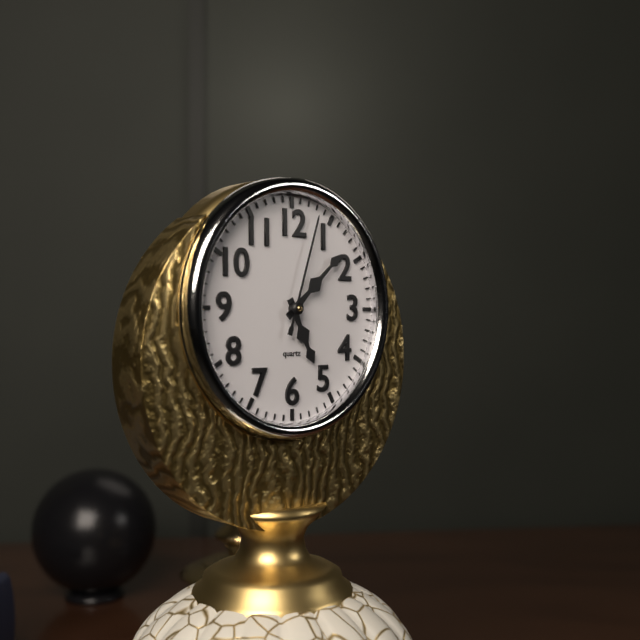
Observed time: 5:08:03
